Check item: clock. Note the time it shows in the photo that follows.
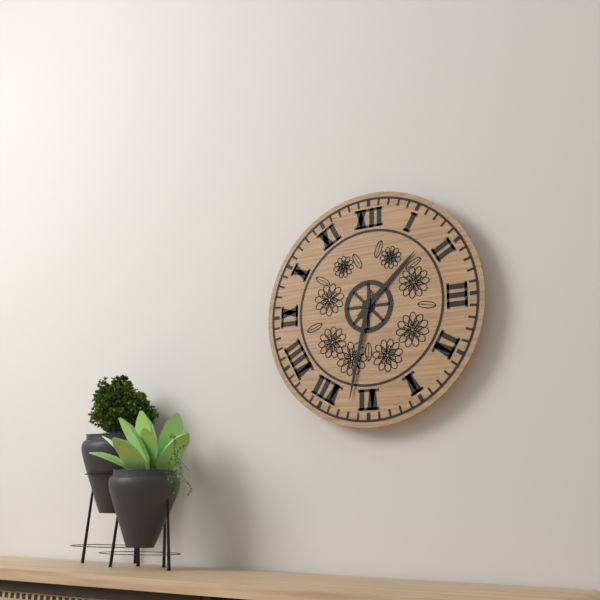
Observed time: 1:32
